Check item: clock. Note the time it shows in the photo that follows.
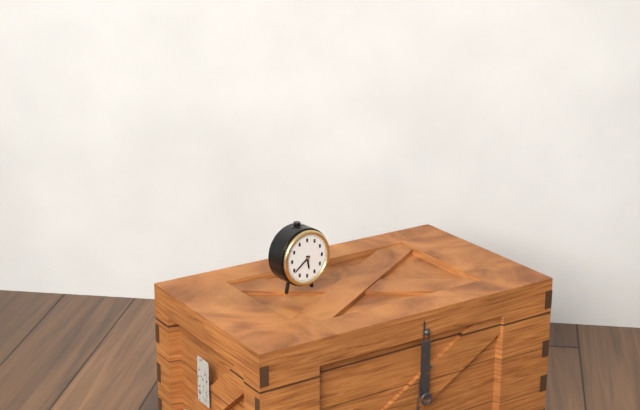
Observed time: 5:39
